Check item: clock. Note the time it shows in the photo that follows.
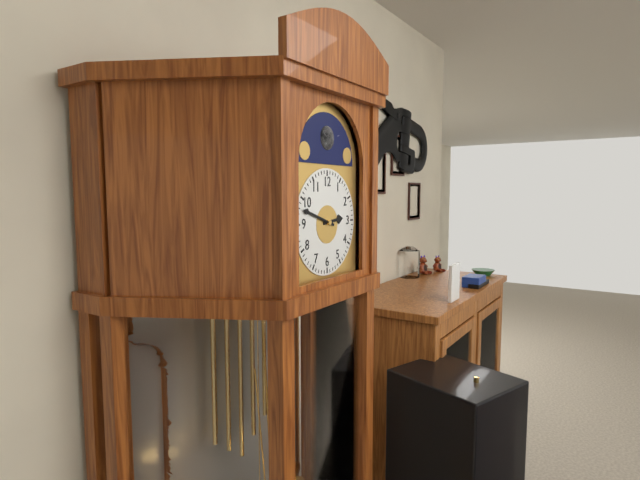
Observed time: 2:48
